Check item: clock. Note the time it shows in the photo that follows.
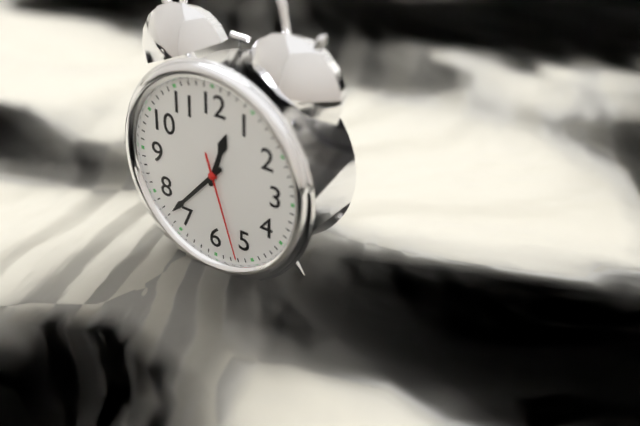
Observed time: 12:37:27
